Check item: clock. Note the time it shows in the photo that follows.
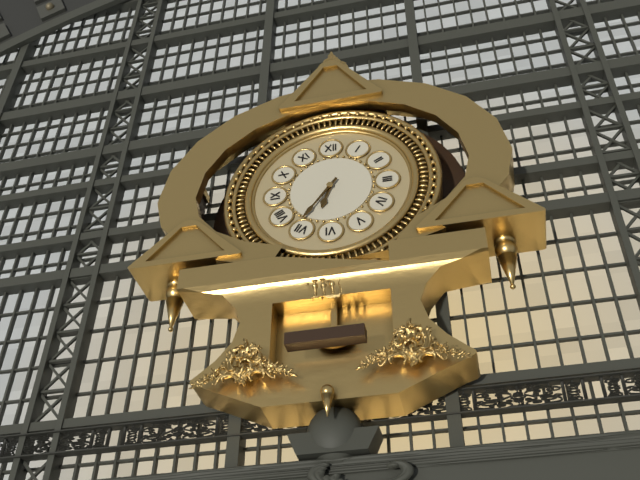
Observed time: 6:36
